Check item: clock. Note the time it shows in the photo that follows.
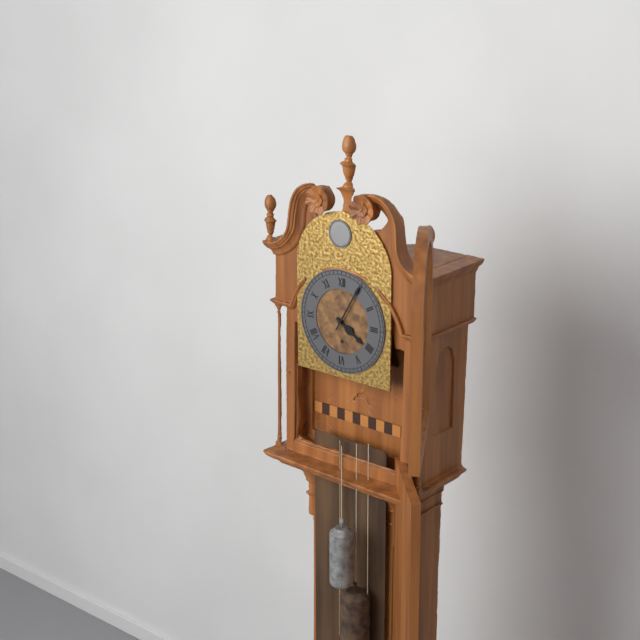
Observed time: 4:05
